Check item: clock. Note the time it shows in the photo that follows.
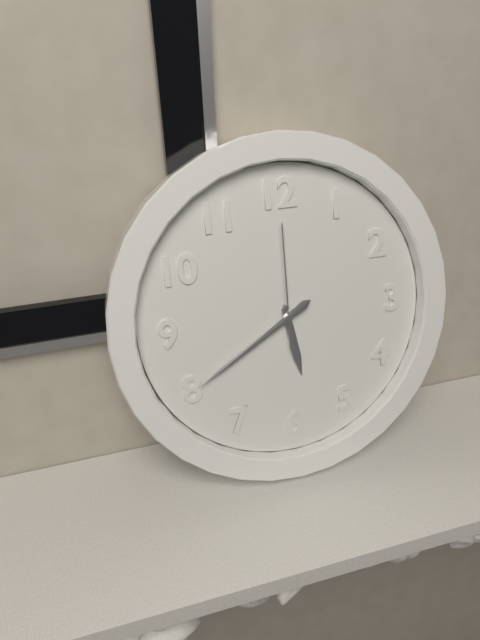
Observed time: 5:40:00
